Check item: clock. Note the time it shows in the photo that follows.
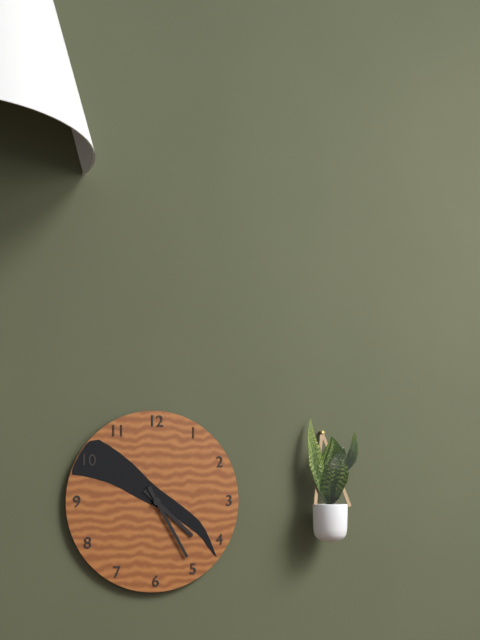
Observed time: 4:25
